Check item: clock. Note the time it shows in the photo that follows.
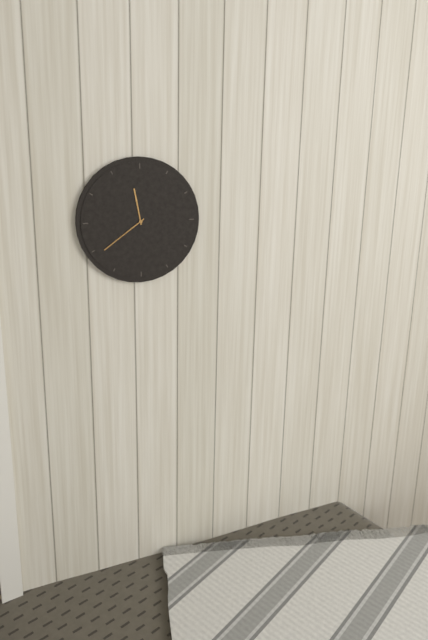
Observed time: 11:39
